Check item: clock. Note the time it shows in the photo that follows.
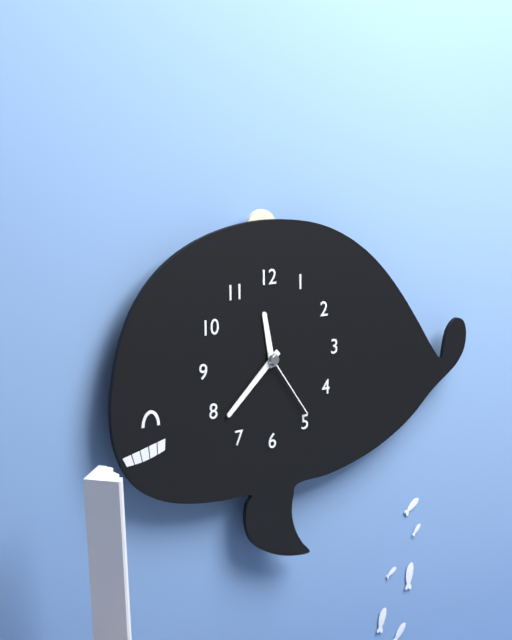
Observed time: 11:38:24
